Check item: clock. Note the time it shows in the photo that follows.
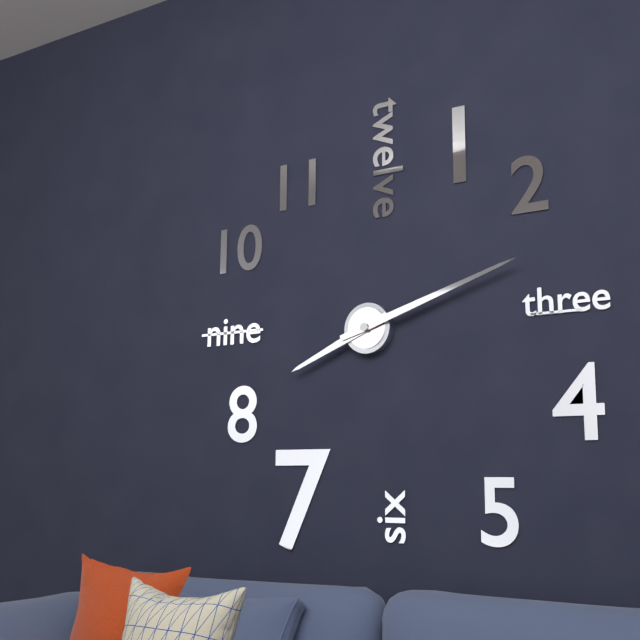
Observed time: 8:12
